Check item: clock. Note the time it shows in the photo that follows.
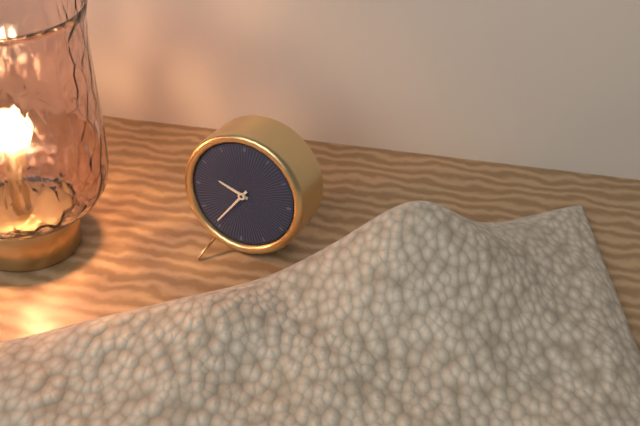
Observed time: 9:36
